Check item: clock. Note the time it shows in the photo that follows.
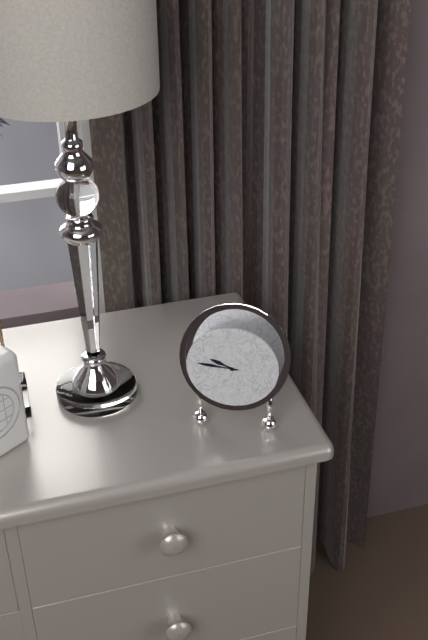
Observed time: 9:46
